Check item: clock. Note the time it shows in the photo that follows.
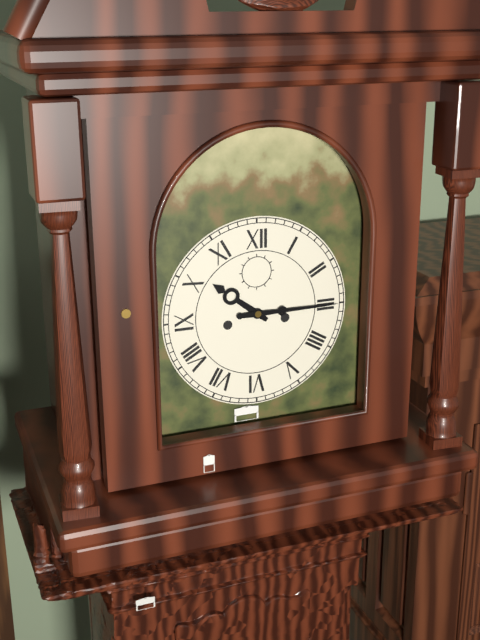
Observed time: 10:15
